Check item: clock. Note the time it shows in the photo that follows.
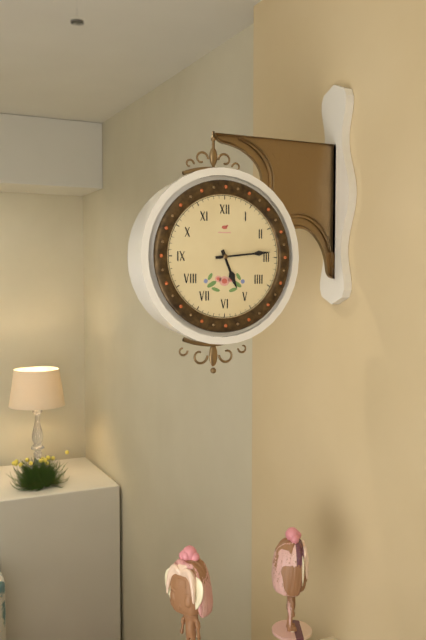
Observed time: 5:14
